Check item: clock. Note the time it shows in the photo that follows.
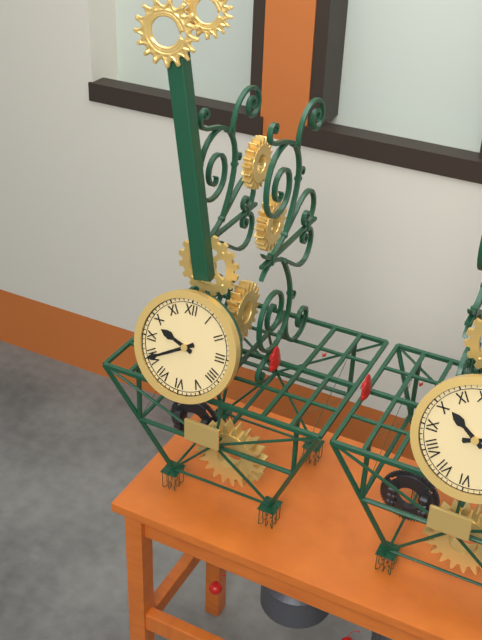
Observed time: 9:40
